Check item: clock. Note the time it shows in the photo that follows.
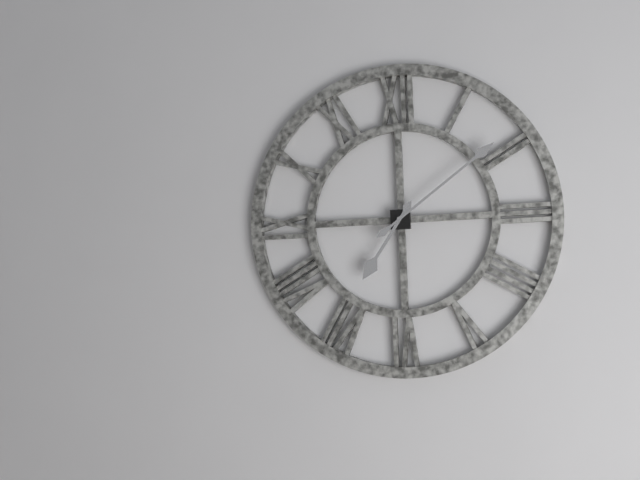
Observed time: 7:09
